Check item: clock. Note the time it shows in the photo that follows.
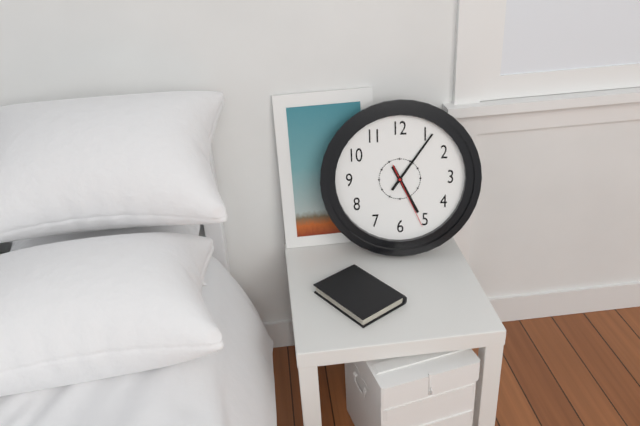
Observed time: 5:06:26
